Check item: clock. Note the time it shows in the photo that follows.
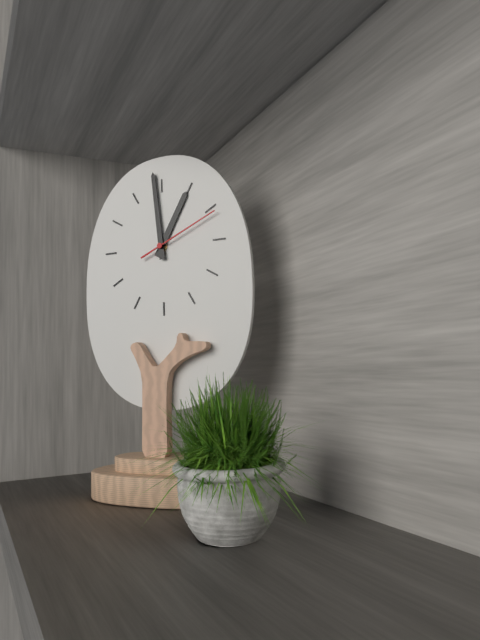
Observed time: 12:59:11
